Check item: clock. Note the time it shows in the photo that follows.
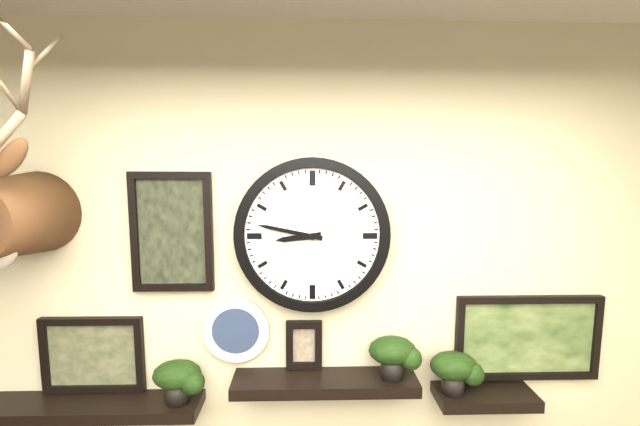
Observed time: 8:47
